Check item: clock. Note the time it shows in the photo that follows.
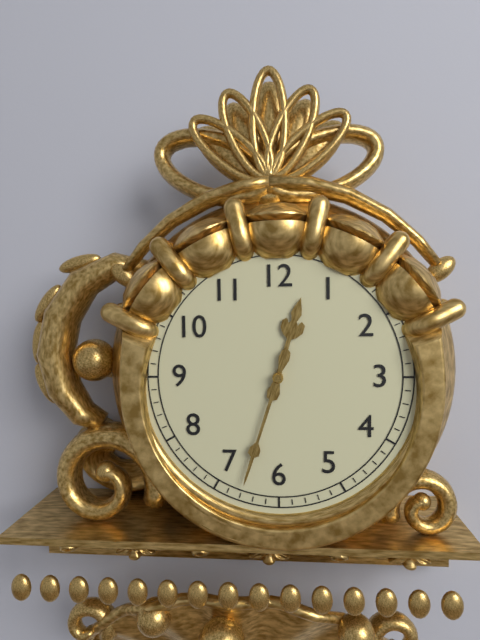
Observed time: 12:33
